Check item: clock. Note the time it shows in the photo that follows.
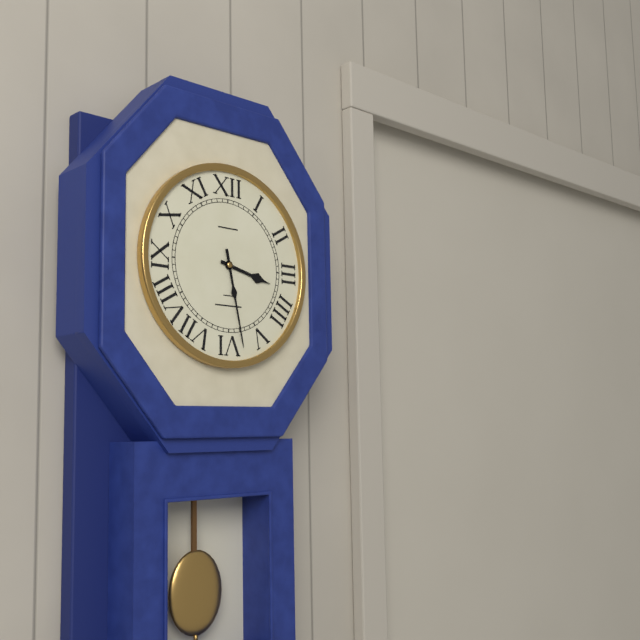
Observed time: 3:28
